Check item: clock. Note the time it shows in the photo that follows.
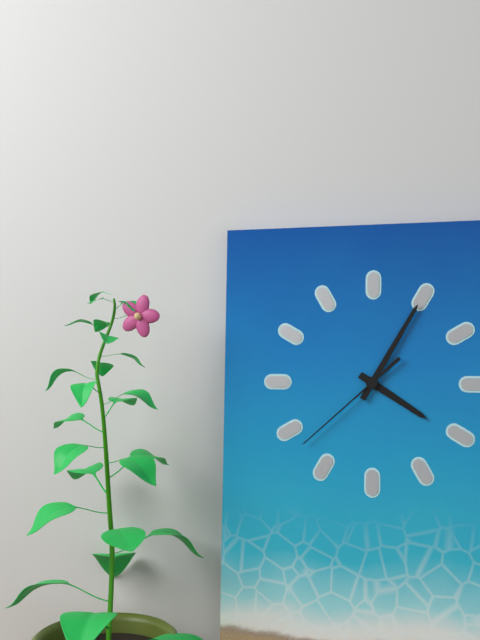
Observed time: 4:05:38
